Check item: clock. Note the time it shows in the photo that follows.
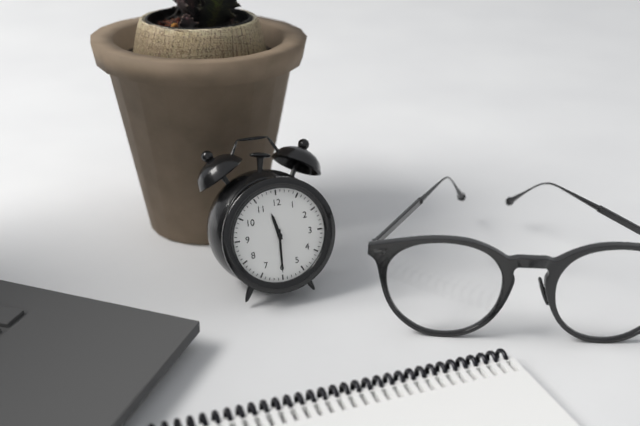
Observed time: 11:30
